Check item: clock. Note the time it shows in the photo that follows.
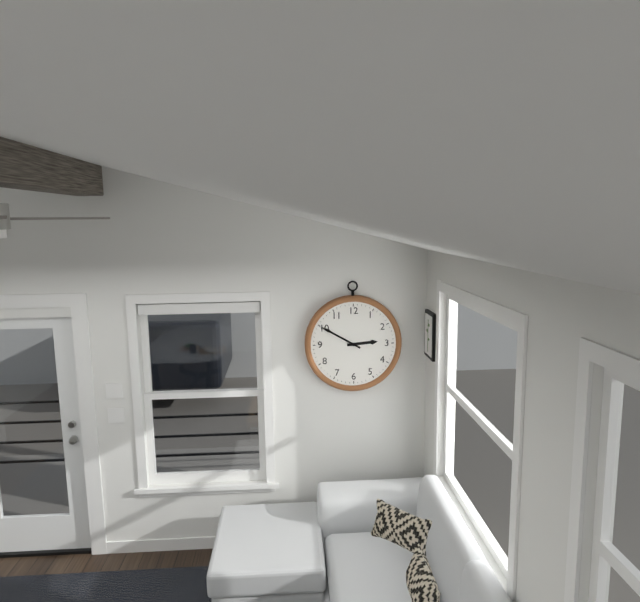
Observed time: 2:50
